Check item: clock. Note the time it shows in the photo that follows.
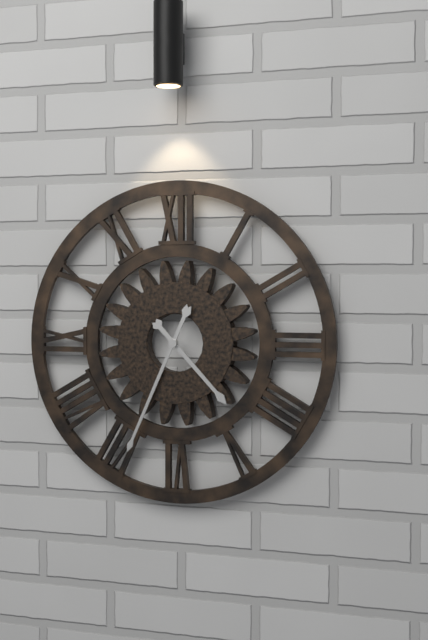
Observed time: 4:34
